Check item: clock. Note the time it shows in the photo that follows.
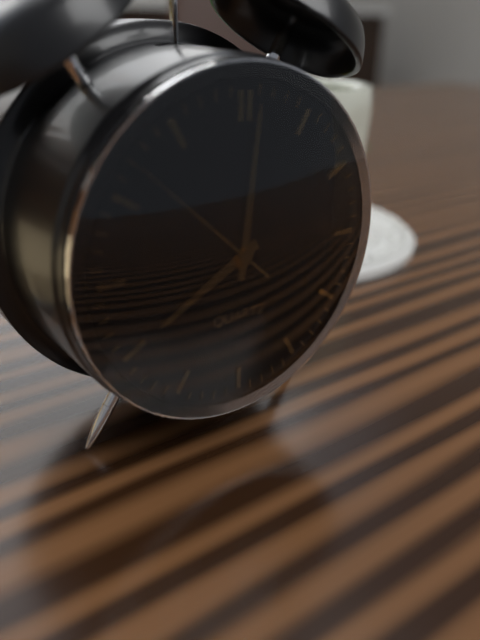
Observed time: 8:01:52
